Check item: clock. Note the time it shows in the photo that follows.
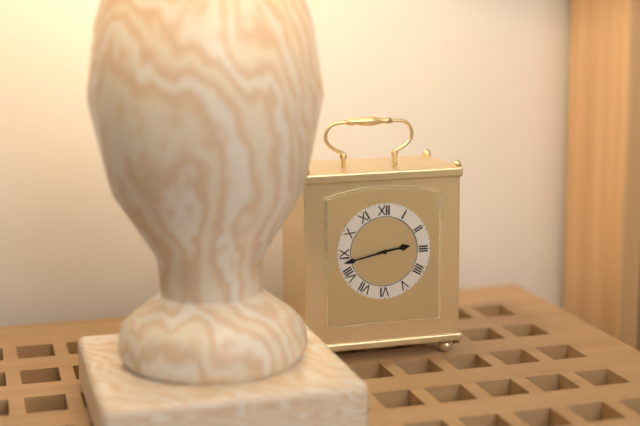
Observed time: 2:43
